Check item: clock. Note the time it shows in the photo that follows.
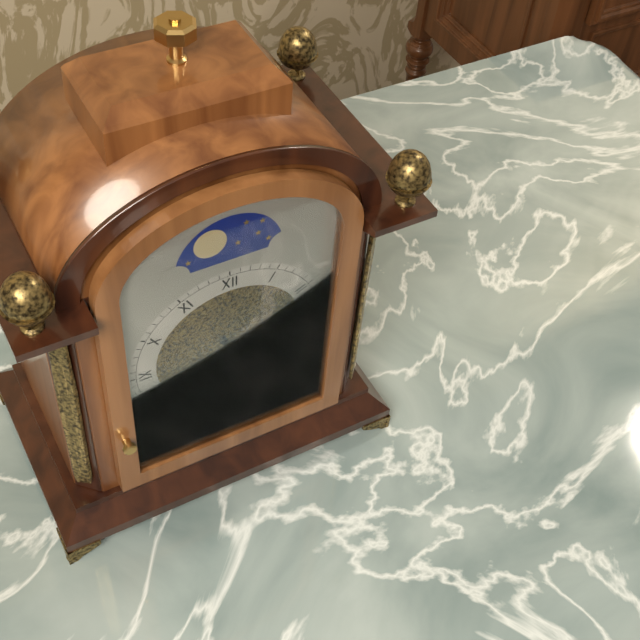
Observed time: 4:26
